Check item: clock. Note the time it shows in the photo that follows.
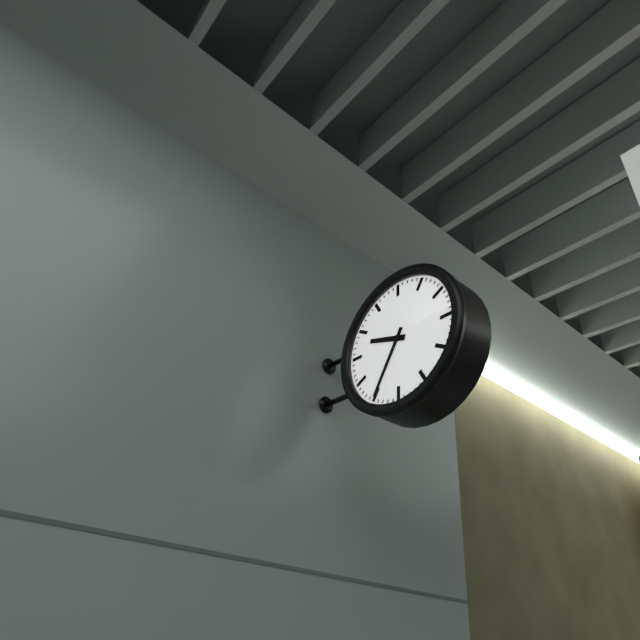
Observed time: 9:35
